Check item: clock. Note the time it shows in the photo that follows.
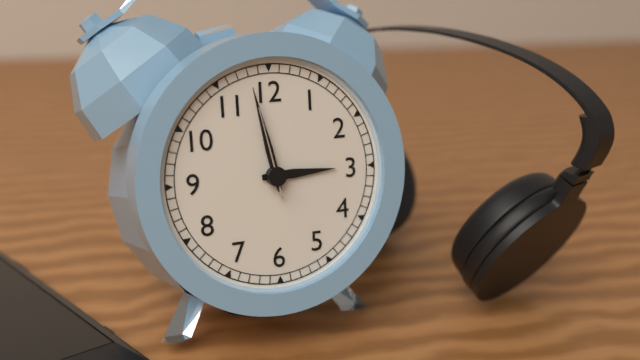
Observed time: 2:58:58
